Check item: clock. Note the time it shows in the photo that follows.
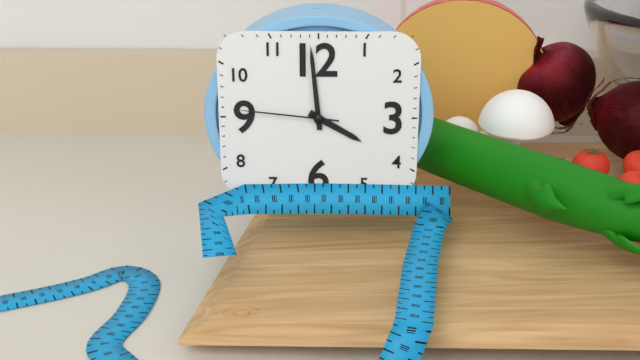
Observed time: 3:59:46
